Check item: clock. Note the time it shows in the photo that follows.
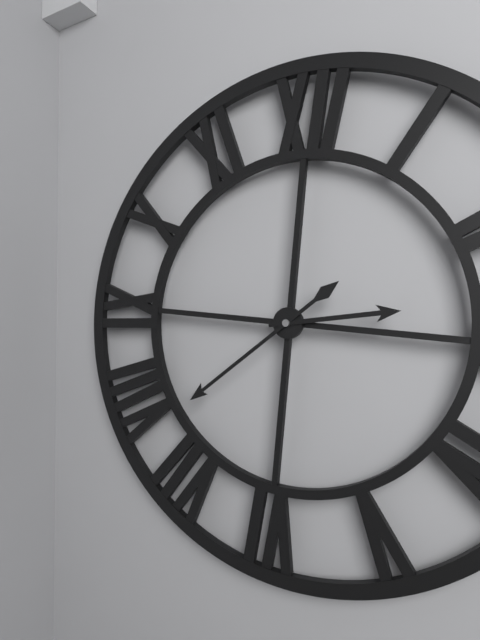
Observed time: 2:38
